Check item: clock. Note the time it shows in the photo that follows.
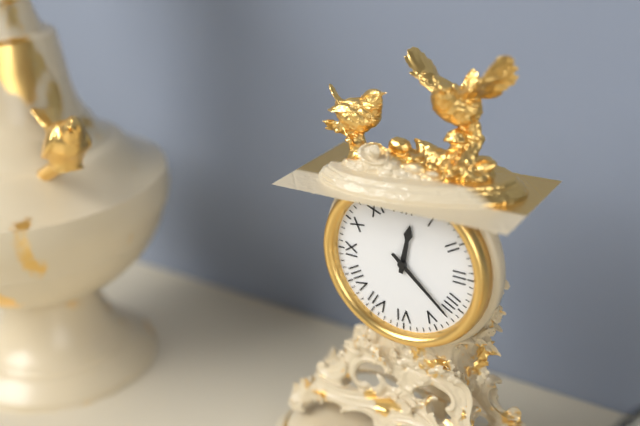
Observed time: 12:22
